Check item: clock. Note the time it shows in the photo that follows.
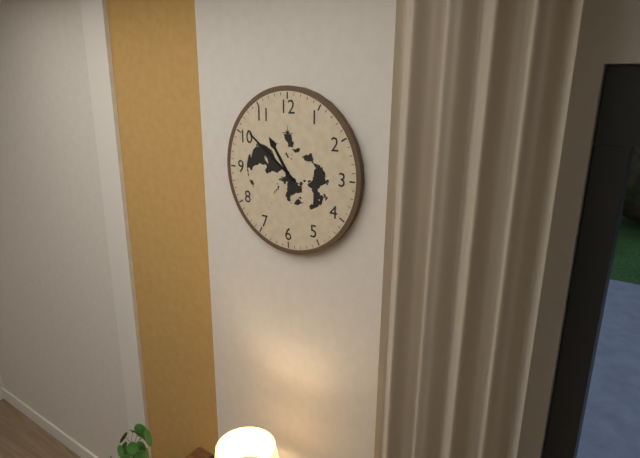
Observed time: 10:51
